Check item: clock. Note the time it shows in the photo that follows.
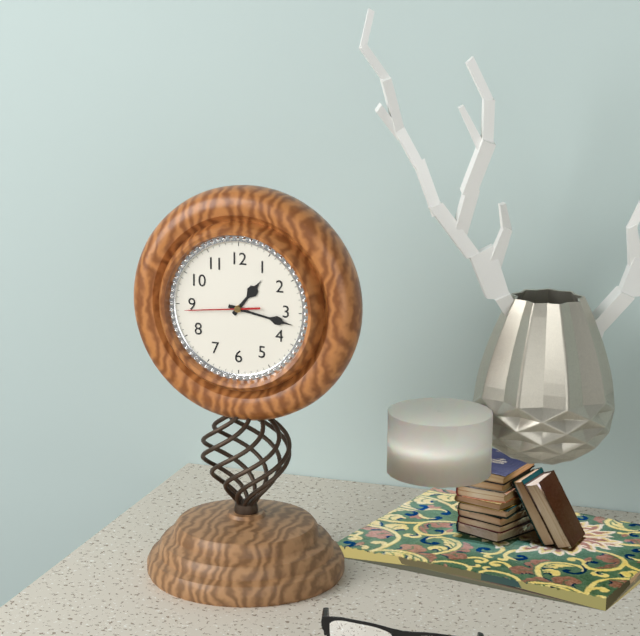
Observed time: 1:17:44
